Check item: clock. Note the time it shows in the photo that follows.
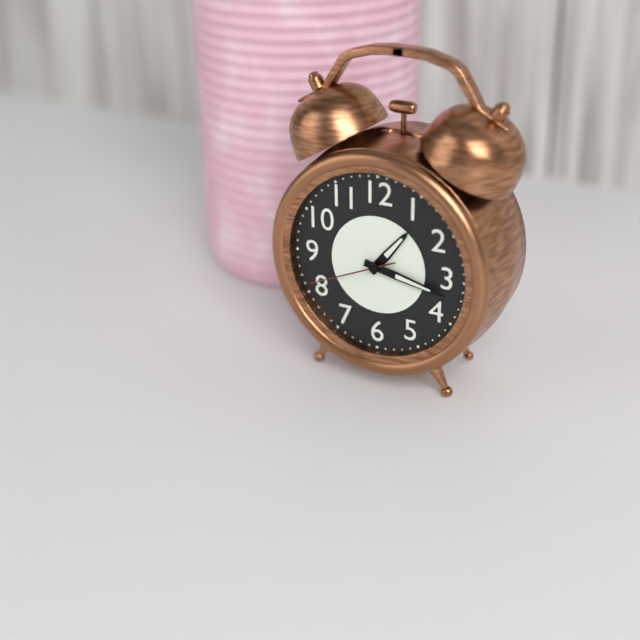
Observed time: 1:17:41
